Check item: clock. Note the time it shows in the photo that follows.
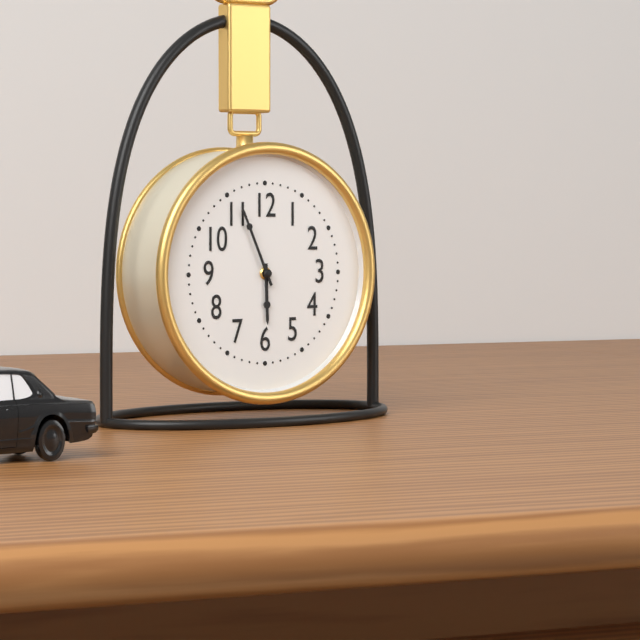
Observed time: 5:56
